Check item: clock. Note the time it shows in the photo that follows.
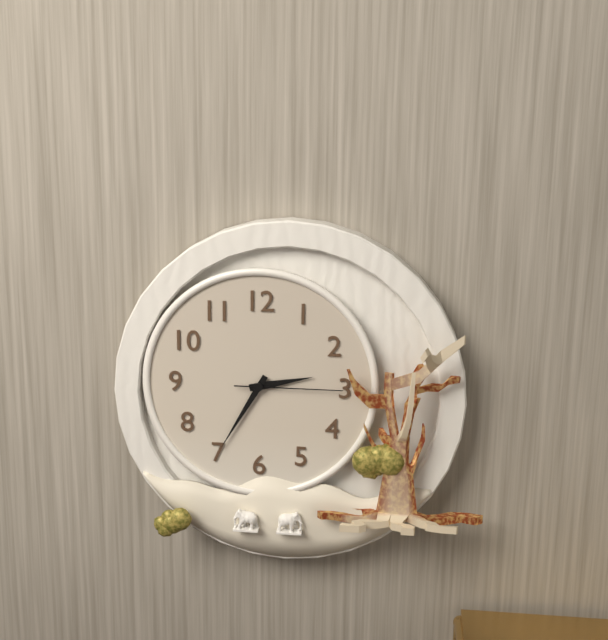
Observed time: 2:35:15
